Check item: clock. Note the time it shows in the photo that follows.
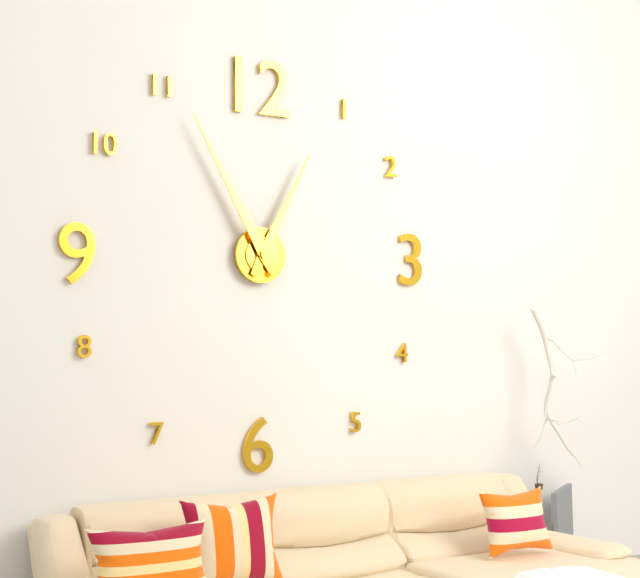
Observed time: 12:55
